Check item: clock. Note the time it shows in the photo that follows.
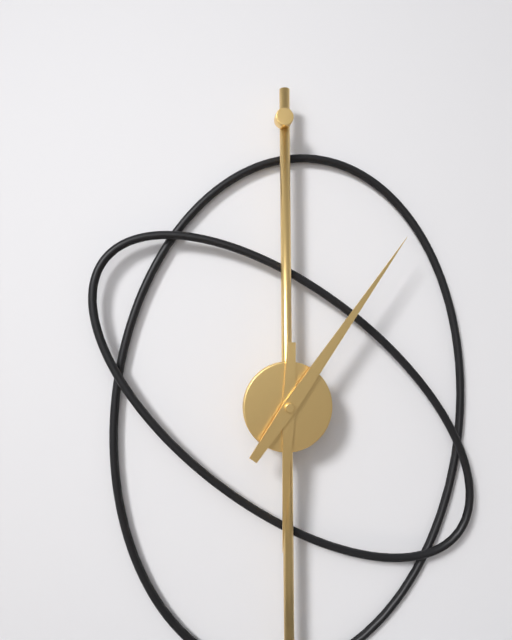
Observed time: 6:06
